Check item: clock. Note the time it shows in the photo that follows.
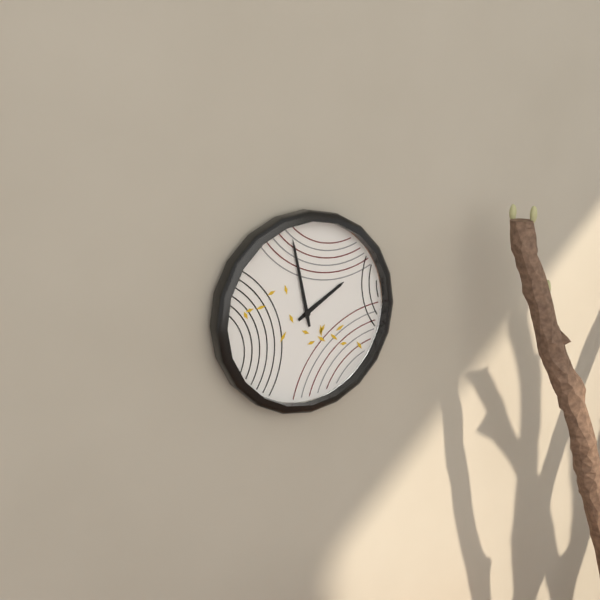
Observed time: 1:58
